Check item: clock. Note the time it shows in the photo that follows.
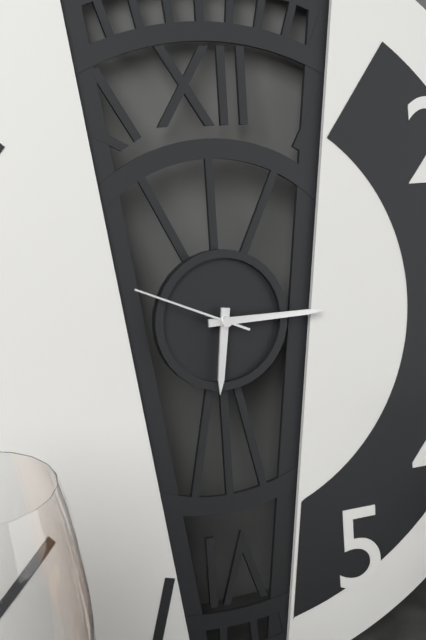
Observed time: 6:15:49
